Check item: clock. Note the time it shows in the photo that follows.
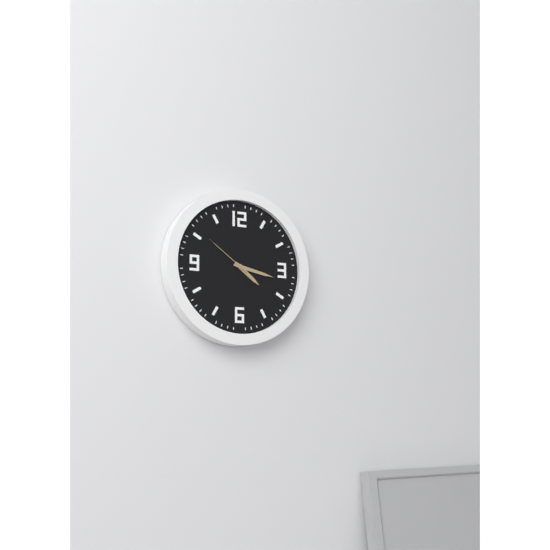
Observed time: 4:17:51
